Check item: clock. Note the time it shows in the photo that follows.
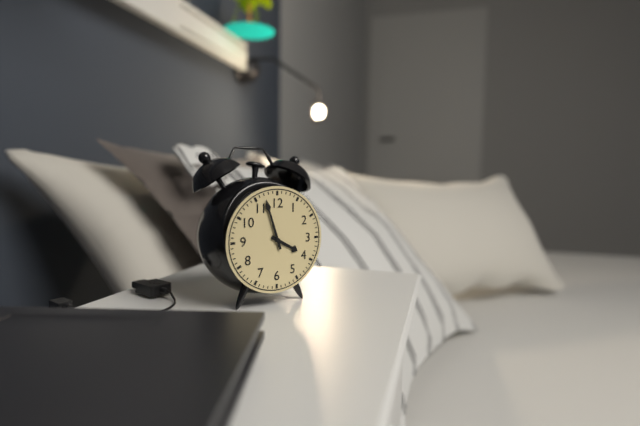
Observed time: 3:57
